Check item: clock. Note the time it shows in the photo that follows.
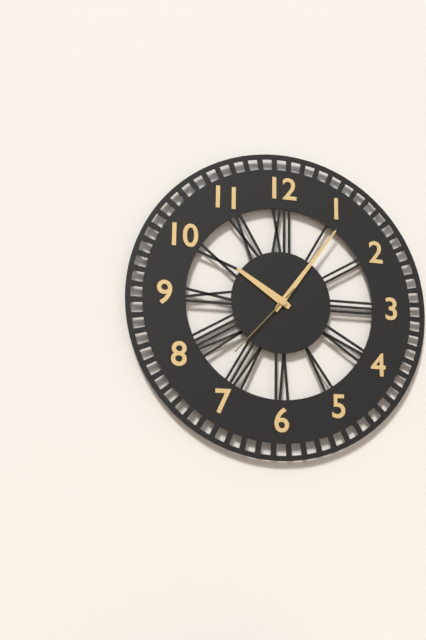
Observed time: 10:06:37
